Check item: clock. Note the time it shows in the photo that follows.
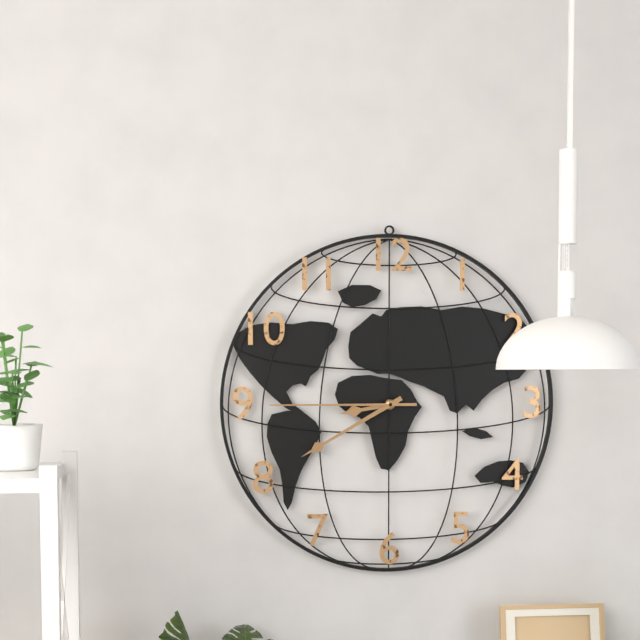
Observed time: 8:40:45
